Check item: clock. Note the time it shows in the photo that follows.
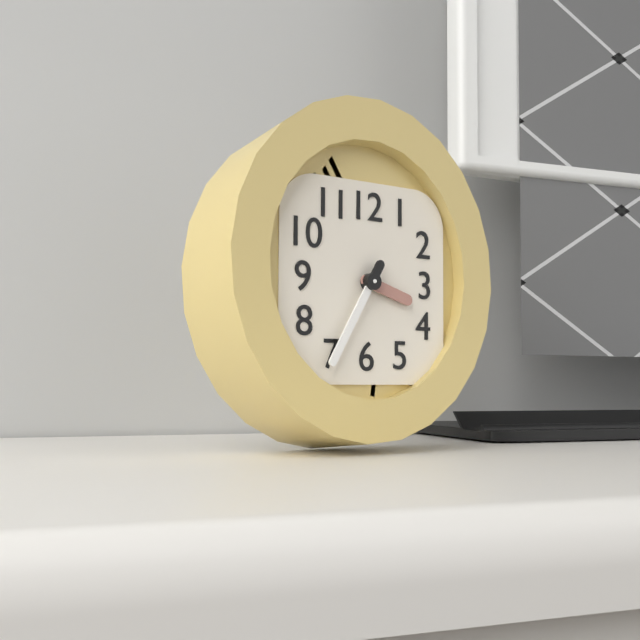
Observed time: 3:35
